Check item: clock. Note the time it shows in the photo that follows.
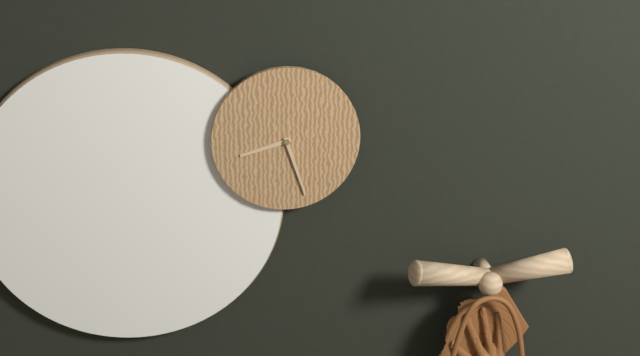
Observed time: 8:27
